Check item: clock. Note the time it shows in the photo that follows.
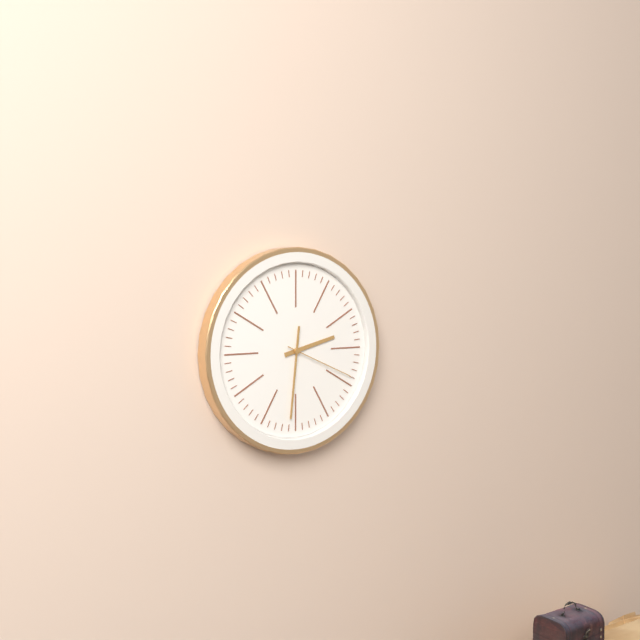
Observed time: 2:31:19
